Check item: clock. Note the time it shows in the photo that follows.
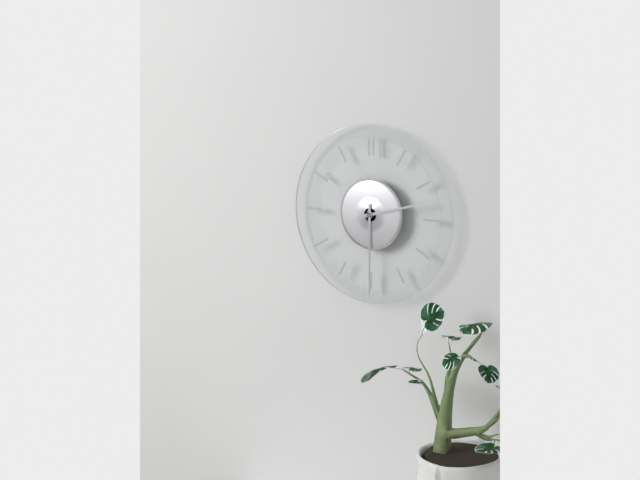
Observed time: 2:30
